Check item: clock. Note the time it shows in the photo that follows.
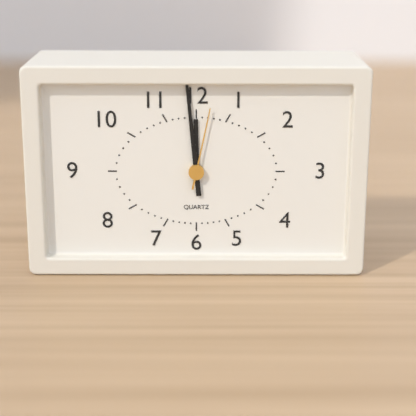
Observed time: 11:59:02
